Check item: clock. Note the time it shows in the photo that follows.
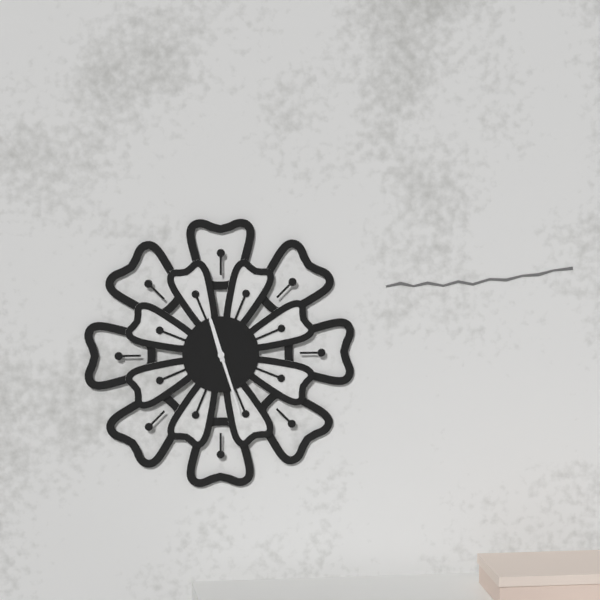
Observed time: 11:27
